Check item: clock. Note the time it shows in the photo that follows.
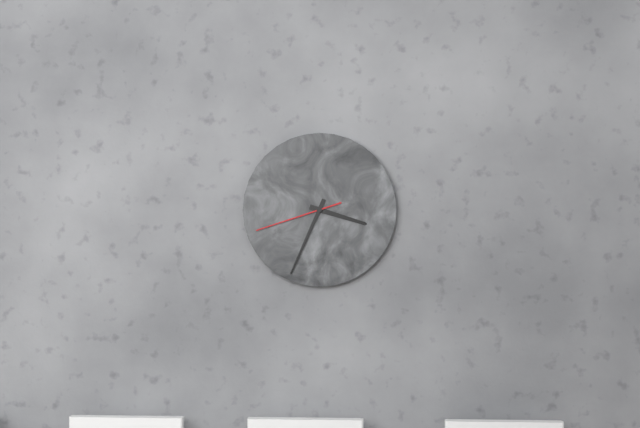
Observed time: 3:34:42
